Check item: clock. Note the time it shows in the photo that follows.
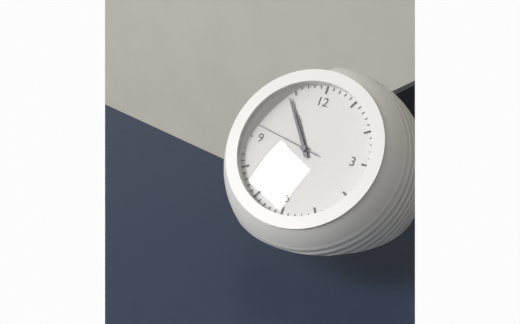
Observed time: 10:54:47
